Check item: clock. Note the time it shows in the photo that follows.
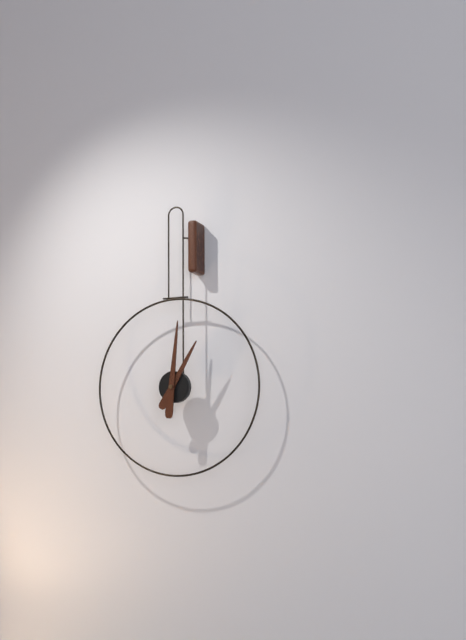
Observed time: 1:01
